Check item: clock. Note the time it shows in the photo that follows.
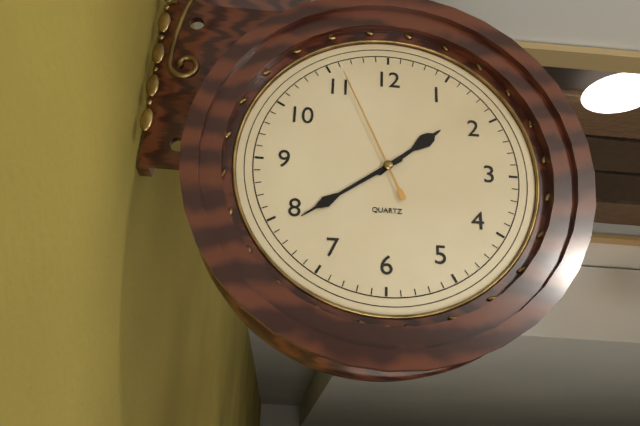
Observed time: 1:39:56
